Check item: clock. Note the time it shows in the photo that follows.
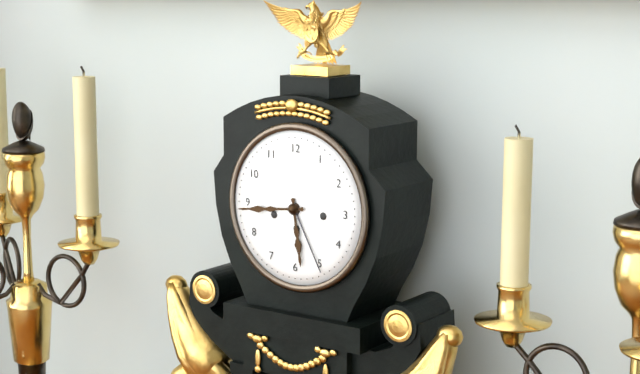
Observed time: 5:44
